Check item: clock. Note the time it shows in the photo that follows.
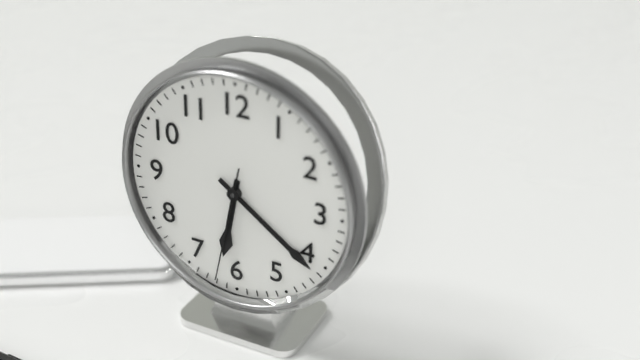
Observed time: 6:21:32
